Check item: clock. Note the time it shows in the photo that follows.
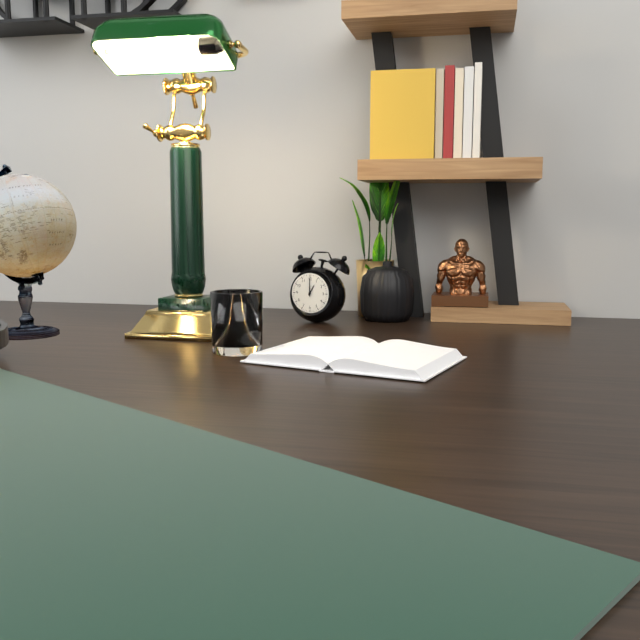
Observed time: 1:00
